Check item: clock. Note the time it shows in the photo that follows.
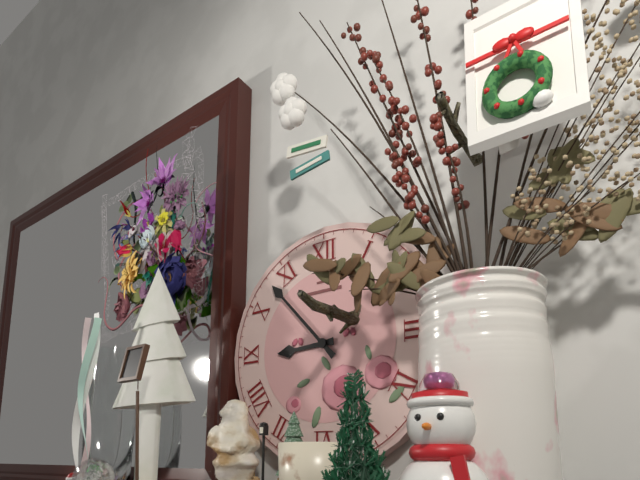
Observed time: 8:53
